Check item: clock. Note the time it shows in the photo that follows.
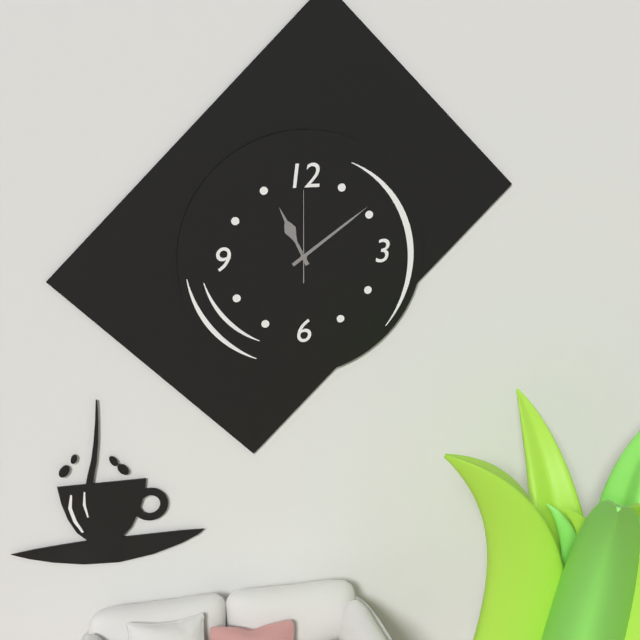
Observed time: 11:09:00
